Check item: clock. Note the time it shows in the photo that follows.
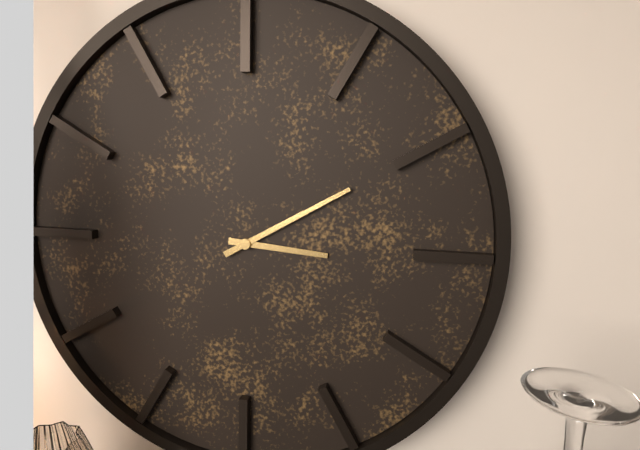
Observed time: 3:10
